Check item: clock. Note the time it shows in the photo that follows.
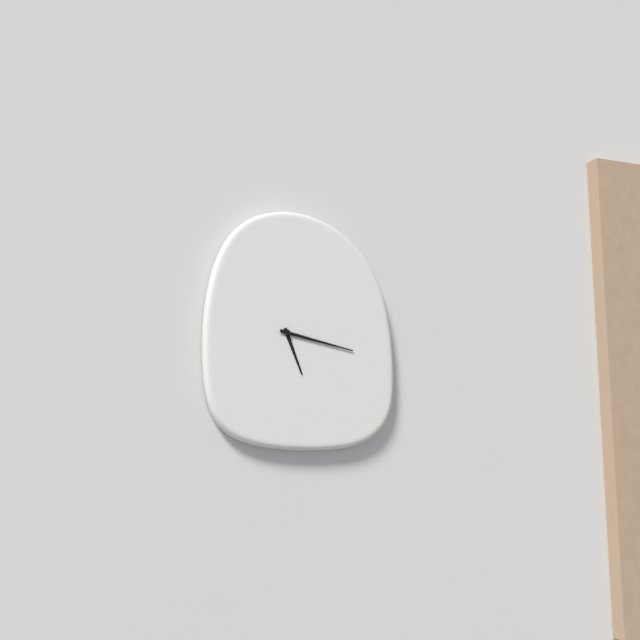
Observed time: 5:17
